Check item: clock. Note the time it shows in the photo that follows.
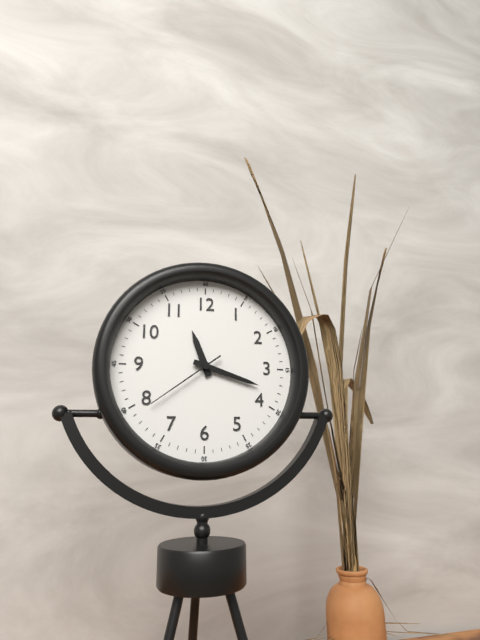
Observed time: 11:18:39
